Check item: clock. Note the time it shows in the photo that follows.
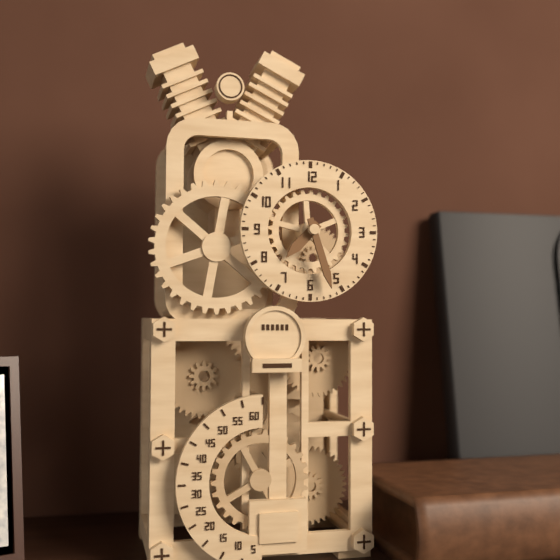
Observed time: 7:27
